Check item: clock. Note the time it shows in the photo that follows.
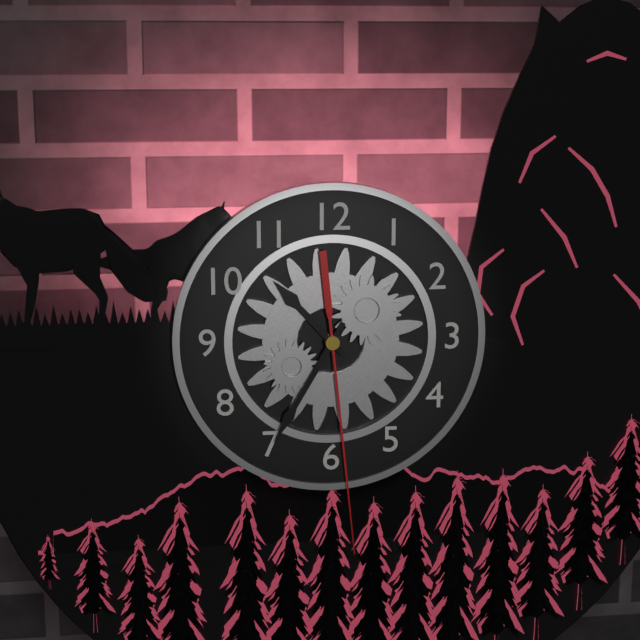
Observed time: 10:35:29
